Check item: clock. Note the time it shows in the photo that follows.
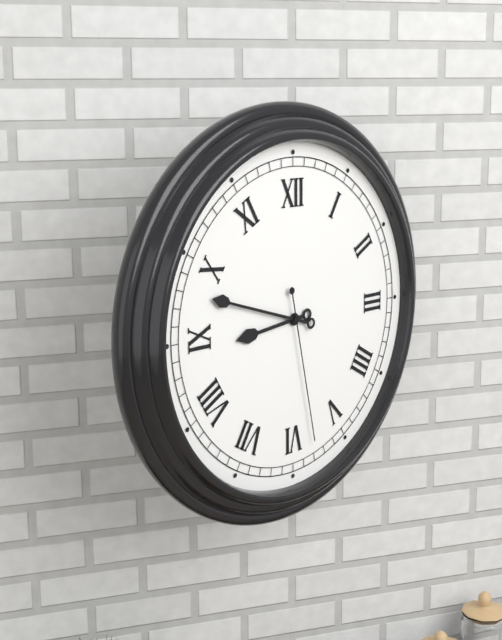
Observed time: 8:48:28
